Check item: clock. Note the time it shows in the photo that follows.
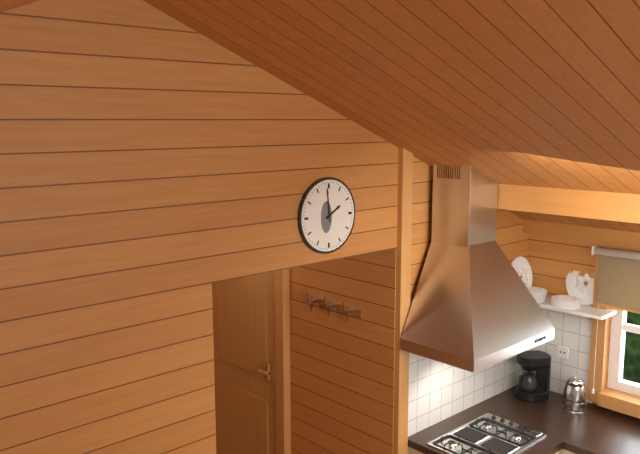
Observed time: 1:59
